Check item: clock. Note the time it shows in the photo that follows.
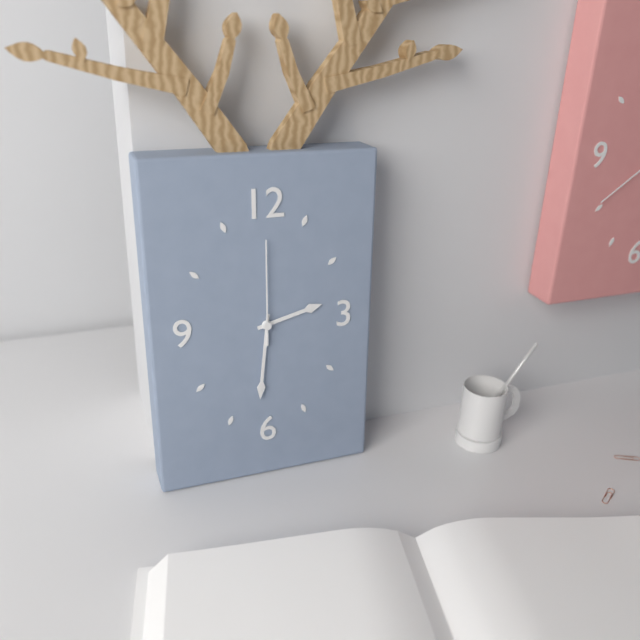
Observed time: 2:31:00
